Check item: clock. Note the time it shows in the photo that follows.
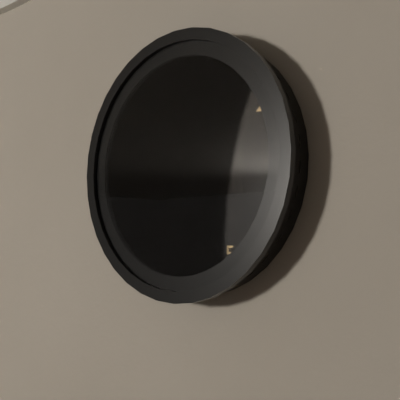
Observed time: 8:01
